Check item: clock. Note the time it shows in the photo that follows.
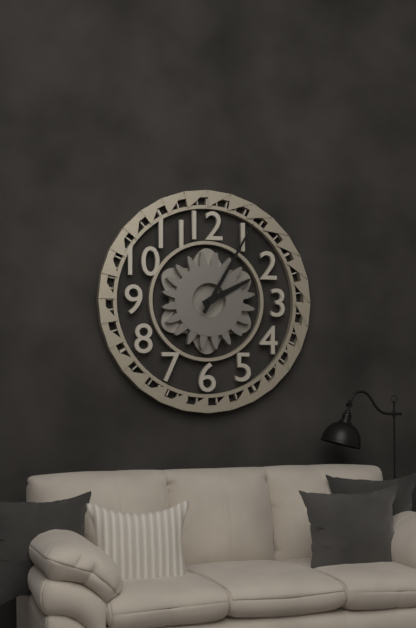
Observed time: 2:05
